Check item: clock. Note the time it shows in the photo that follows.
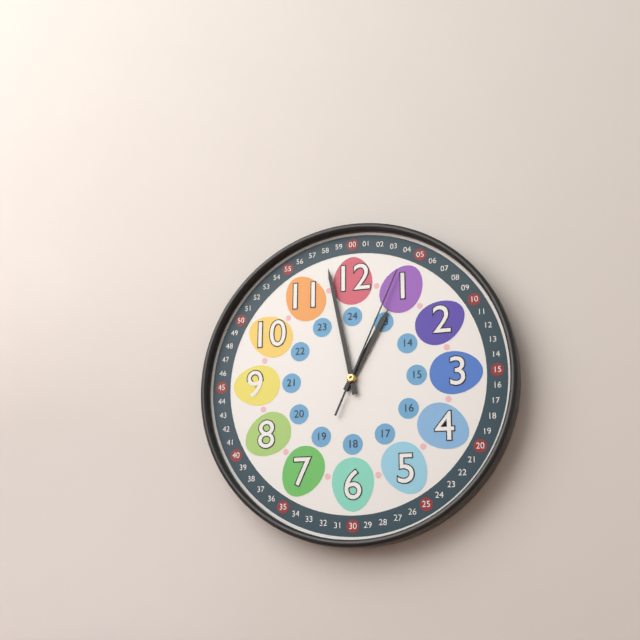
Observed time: 12:58:04
